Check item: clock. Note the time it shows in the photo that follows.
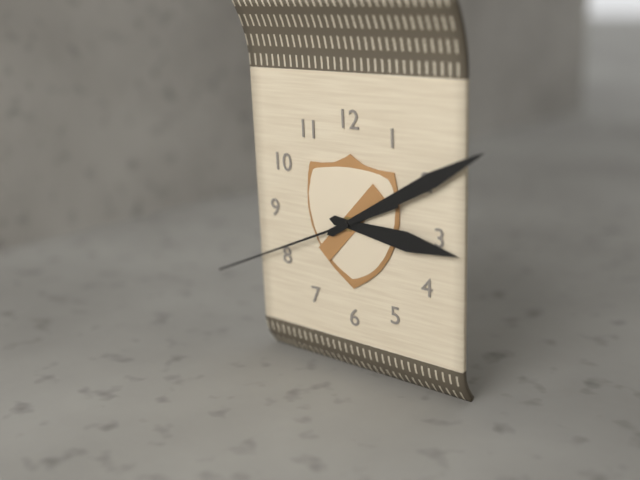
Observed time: 3:10:41
